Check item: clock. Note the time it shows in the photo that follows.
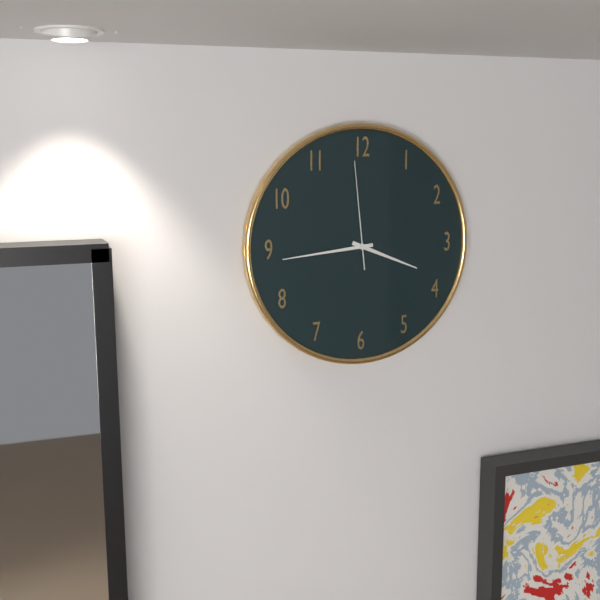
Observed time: 3:44:59
